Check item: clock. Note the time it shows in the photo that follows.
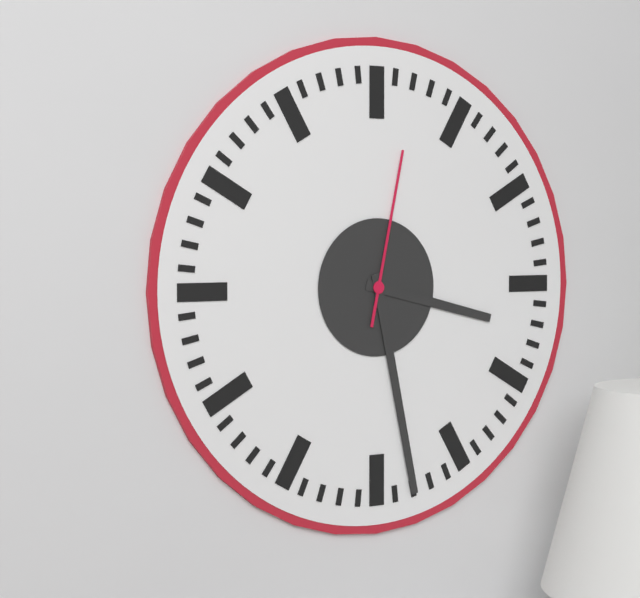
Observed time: 3:28:02
